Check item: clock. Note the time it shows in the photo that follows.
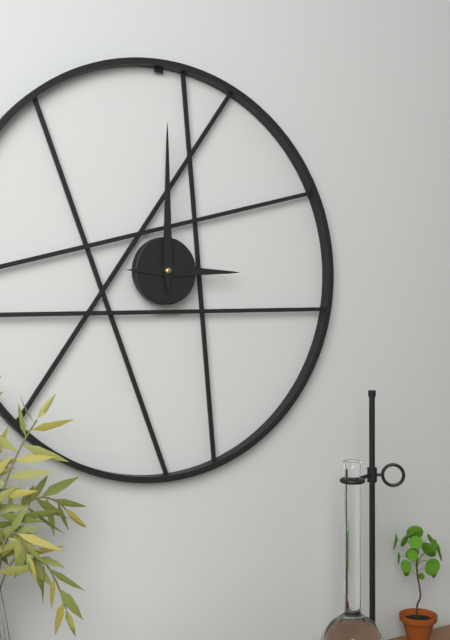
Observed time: 3:00
